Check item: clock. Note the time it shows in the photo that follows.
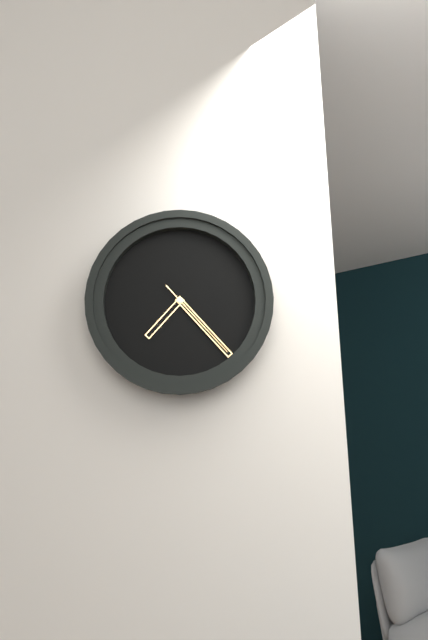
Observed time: 7:23:23
